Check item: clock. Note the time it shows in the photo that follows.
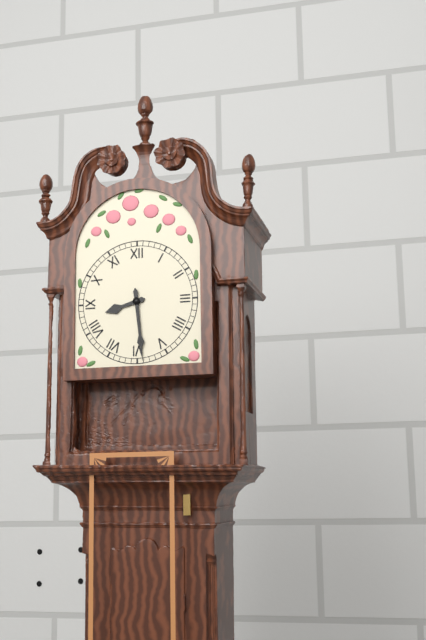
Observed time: 8:29
